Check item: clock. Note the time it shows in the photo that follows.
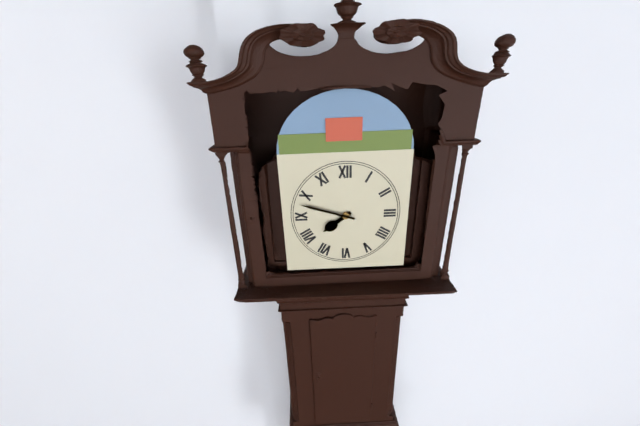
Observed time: 7:48
